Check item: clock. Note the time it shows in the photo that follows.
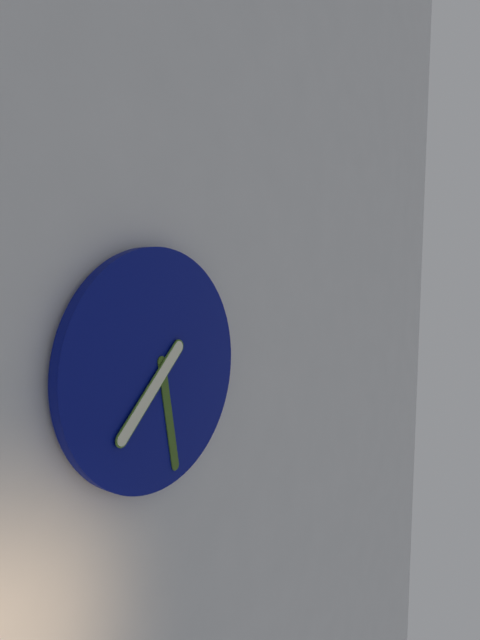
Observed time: 7:28
